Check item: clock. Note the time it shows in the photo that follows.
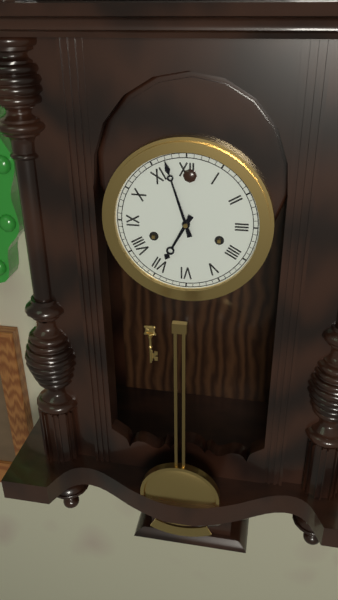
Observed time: 6:57
